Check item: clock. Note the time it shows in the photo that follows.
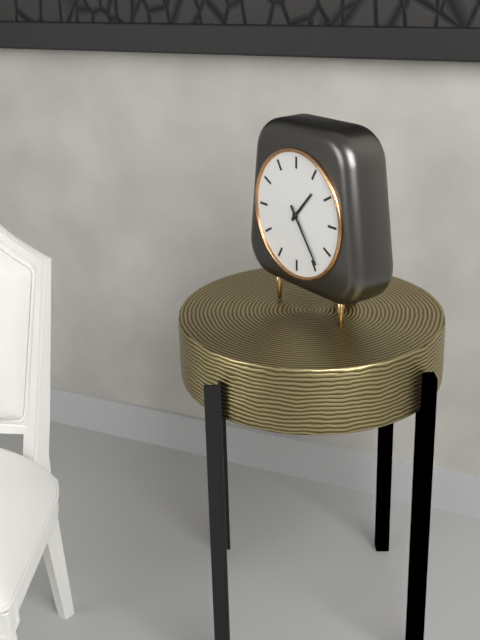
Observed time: 1:24
